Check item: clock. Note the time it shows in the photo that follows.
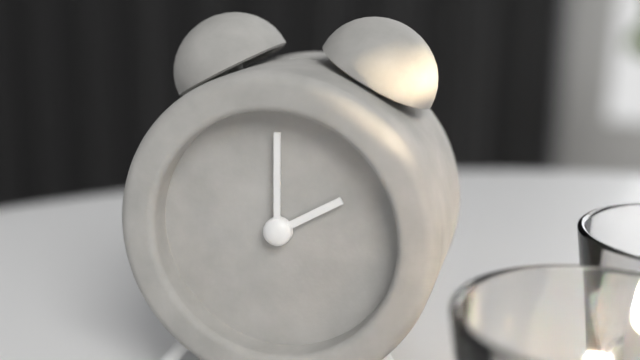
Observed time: 2:00
